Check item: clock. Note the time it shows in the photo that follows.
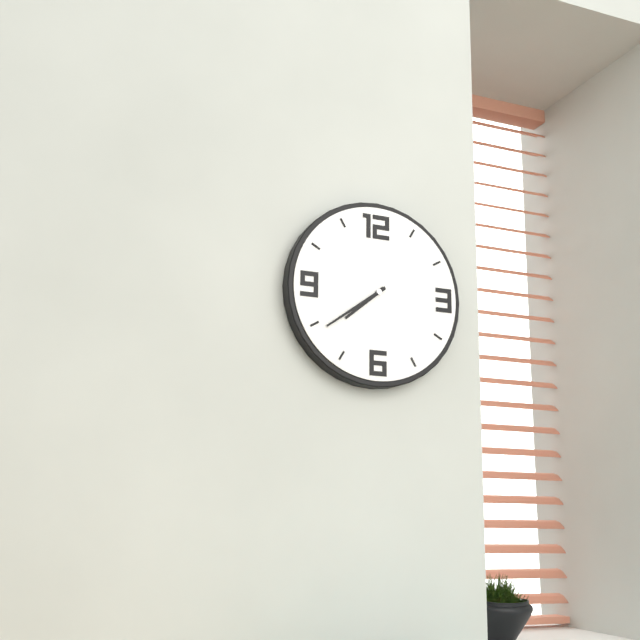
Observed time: 7:39
